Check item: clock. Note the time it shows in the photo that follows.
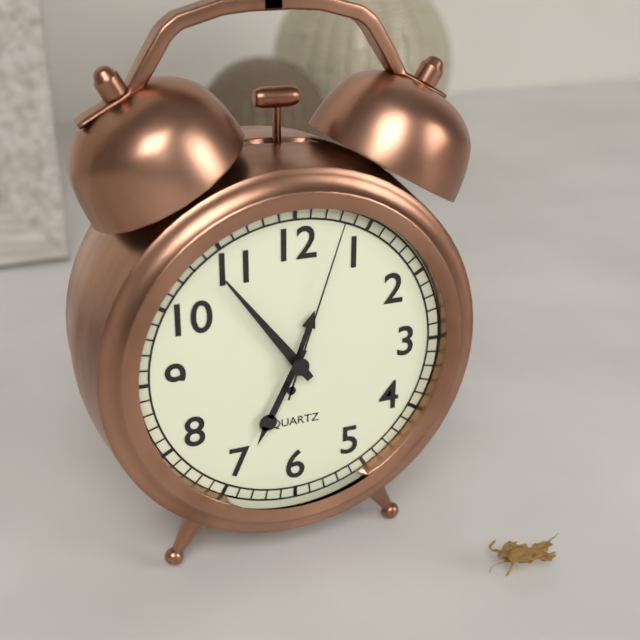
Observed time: 6:54:03
